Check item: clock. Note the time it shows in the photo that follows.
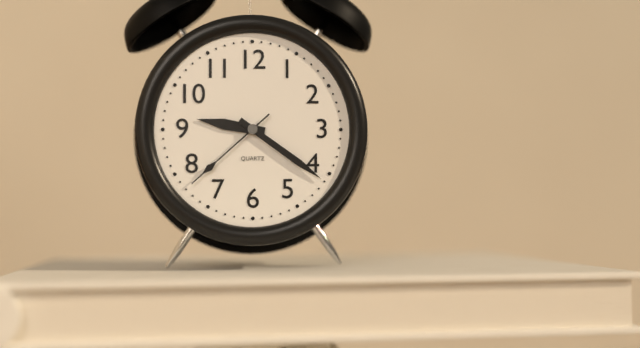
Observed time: 9:21:38
